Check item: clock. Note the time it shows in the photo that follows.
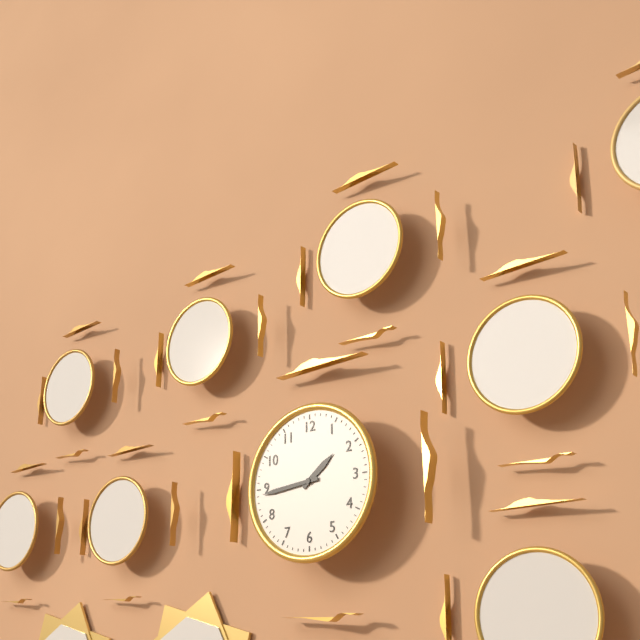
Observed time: 1:44
